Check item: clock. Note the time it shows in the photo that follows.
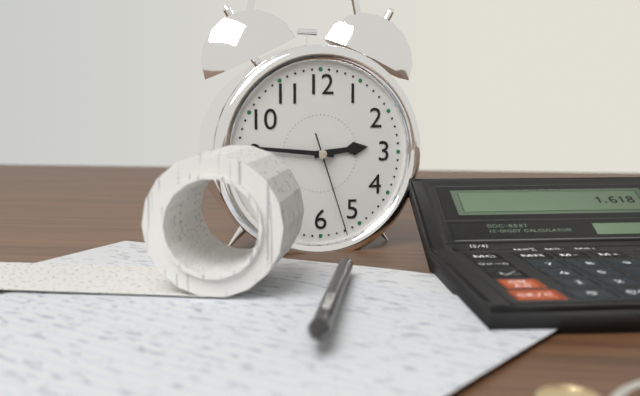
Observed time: 2:46:27
